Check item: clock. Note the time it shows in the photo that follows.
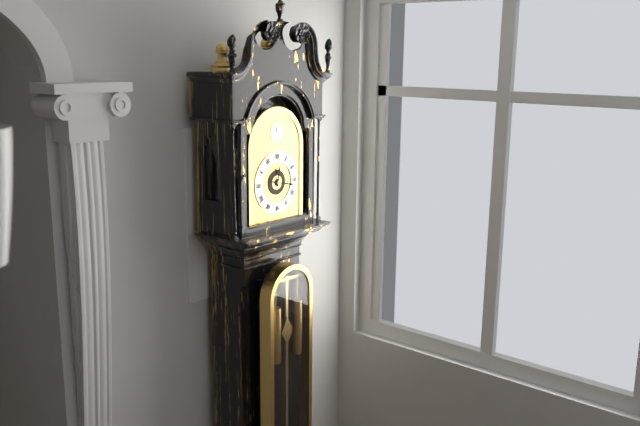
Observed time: 12:17
